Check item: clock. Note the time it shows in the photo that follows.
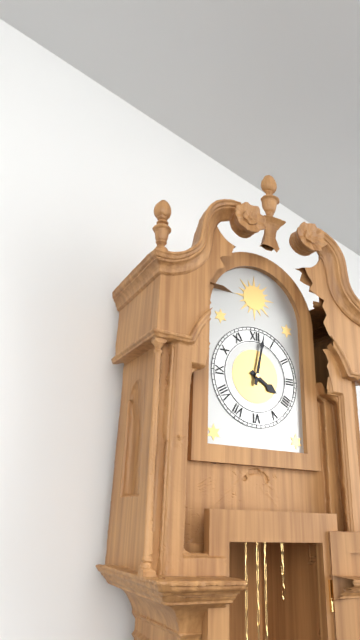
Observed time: 4:02
